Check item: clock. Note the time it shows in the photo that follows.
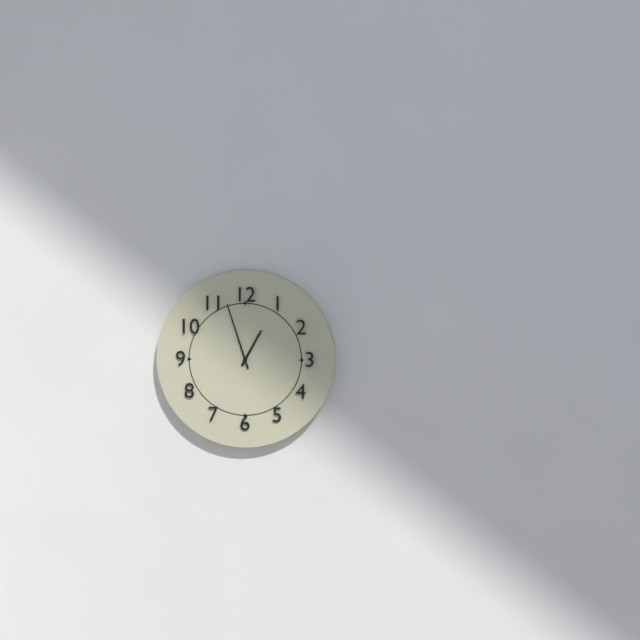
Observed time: 12:57
